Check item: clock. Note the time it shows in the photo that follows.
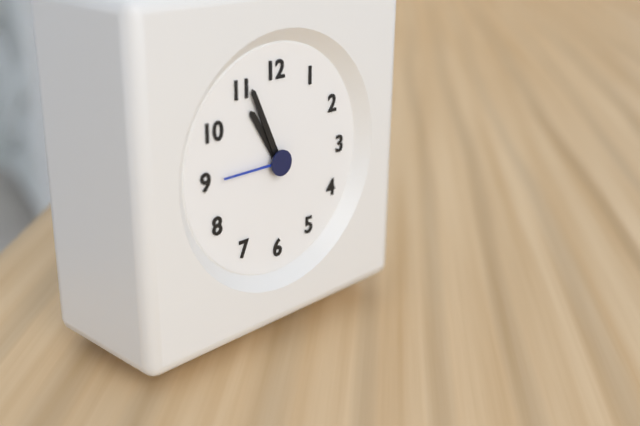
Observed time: 10:56:45
